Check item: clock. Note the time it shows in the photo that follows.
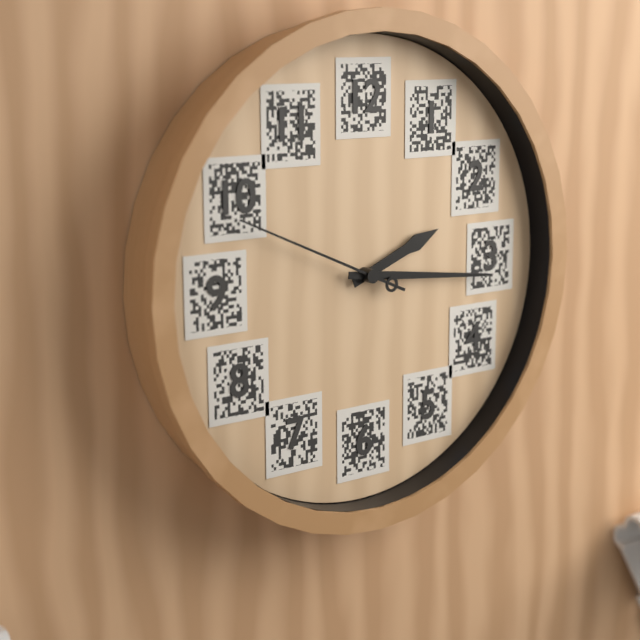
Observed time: 2:16:49
